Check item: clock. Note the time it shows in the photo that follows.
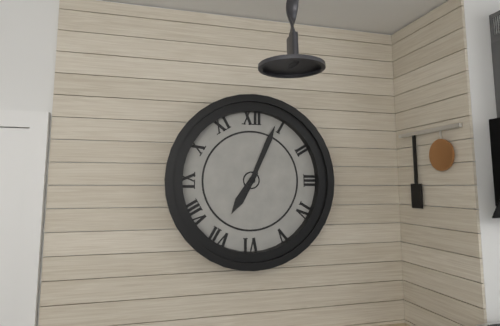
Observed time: 7:04
